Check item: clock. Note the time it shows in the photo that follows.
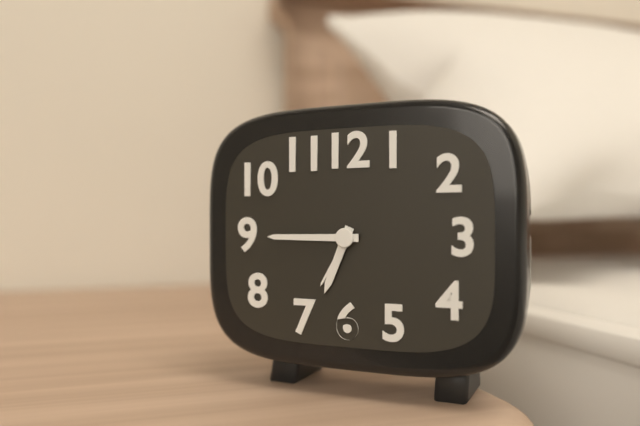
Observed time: 6:45
